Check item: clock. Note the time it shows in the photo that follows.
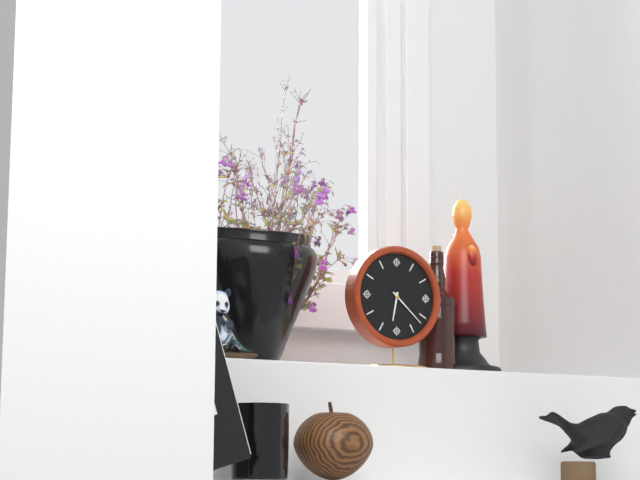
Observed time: 6:22
